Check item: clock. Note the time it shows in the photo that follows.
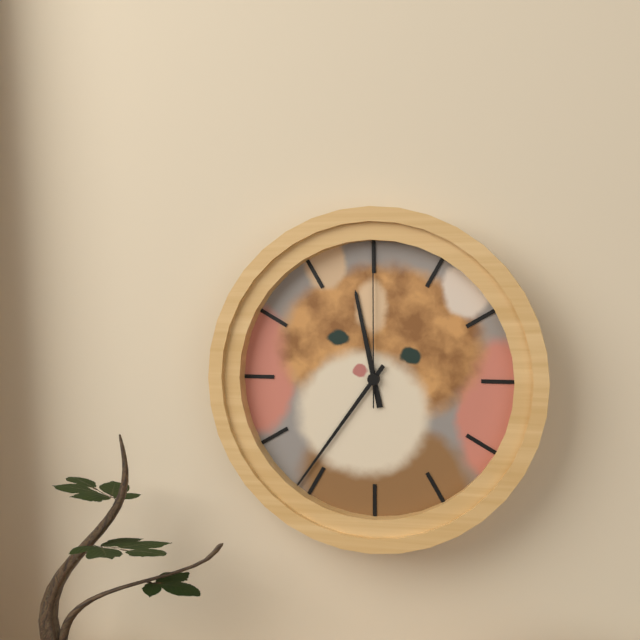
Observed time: 11:36:00
